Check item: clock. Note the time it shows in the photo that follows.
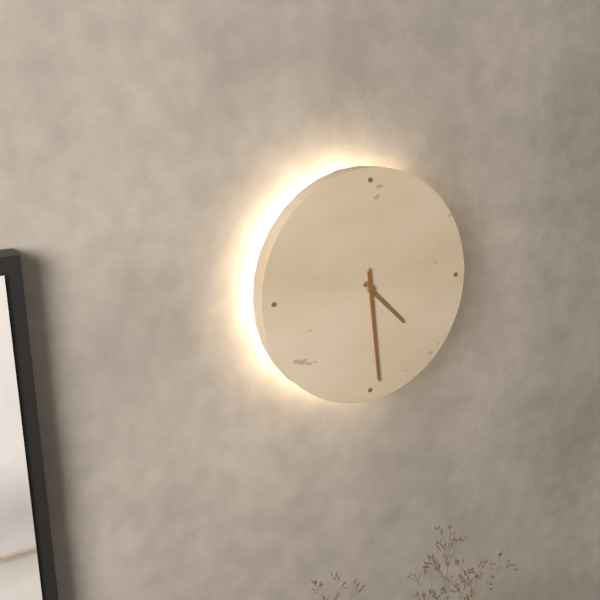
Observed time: 4:29:29
